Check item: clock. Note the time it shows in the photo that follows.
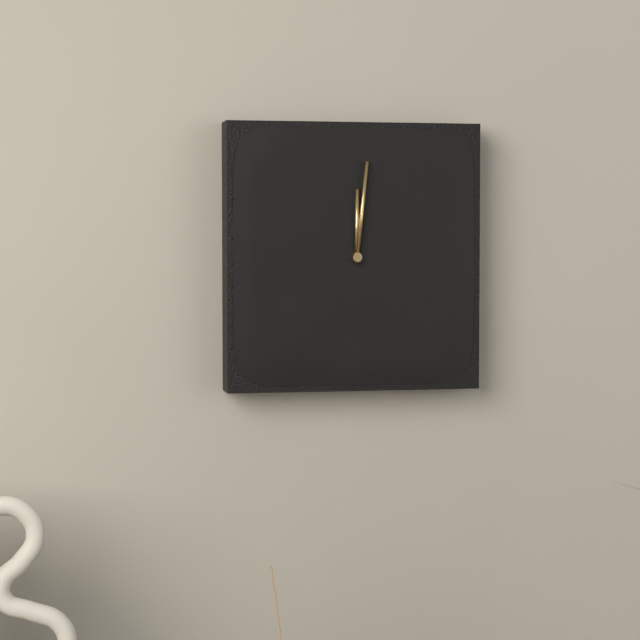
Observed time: 12:01
